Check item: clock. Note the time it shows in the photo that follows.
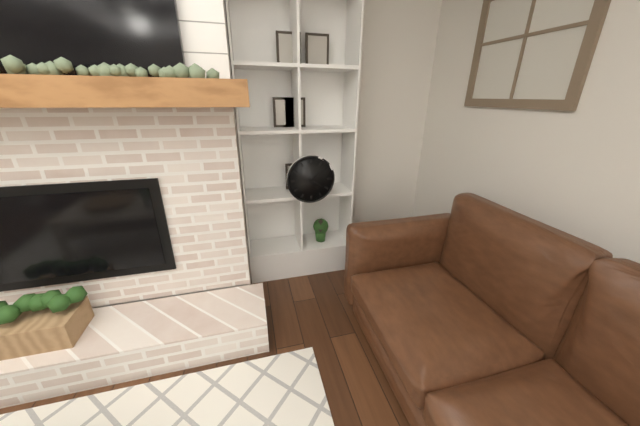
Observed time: 4:08
